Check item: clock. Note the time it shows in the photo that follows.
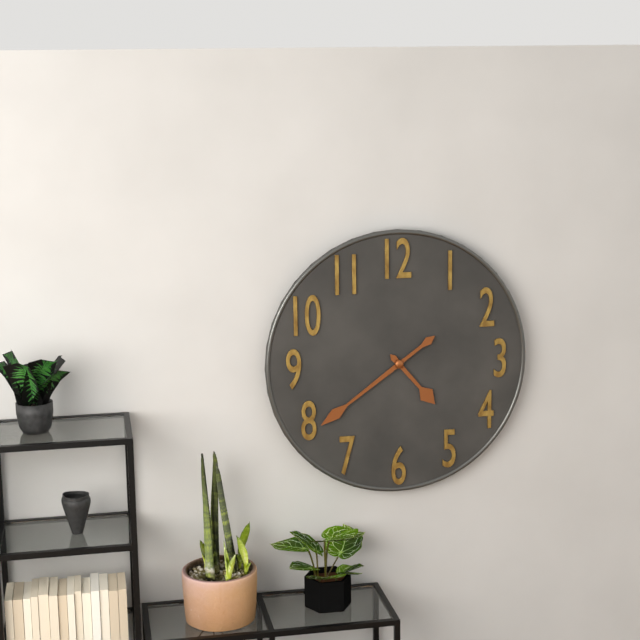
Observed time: 4:39
